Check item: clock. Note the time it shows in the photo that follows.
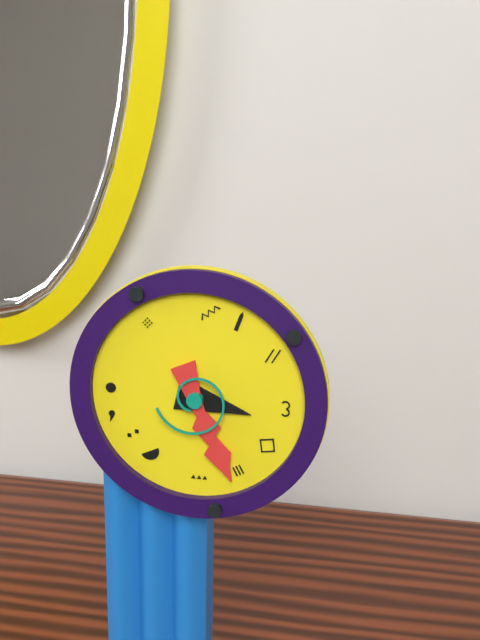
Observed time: 3:26
